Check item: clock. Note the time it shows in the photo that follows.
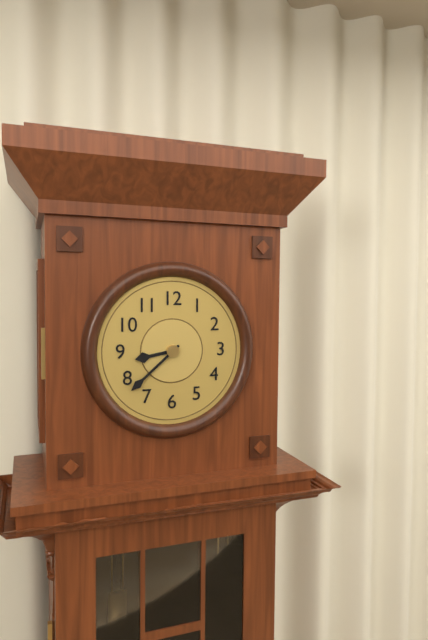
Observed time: 8:38
